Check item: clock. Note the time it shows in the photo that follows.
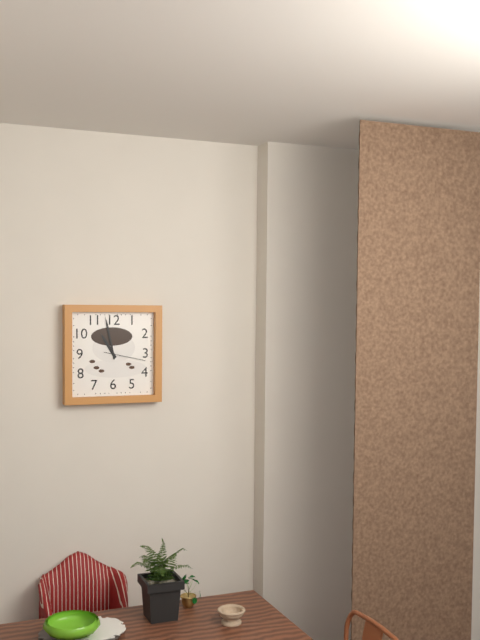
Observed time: 10:58
